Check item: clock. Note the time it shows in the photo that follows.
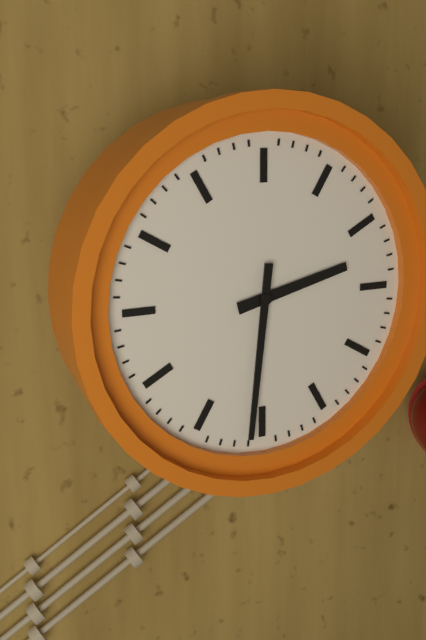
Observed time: 2:31
